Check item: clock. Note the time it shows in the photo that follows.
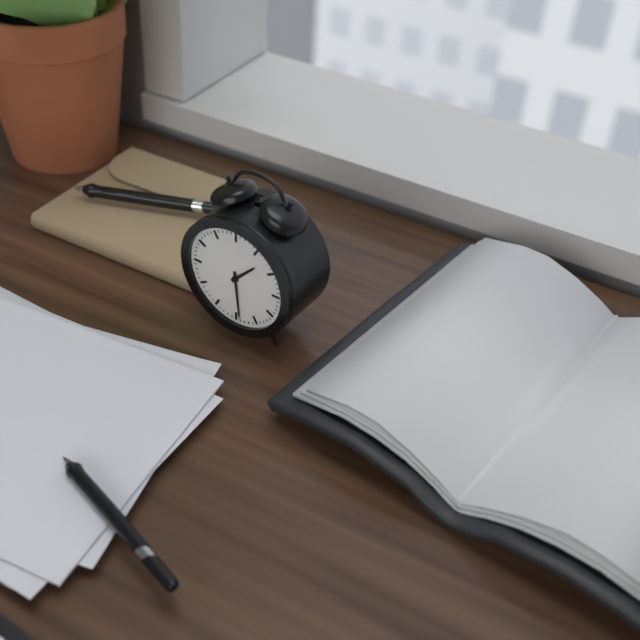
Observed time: 1:29
